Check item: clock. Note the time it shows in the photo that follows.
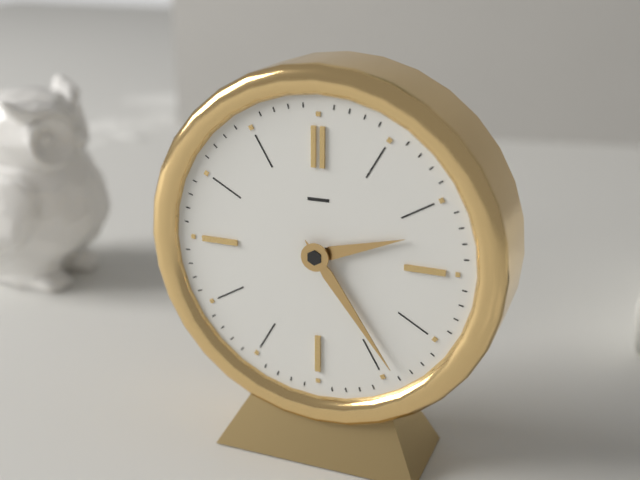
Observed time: 2:24
